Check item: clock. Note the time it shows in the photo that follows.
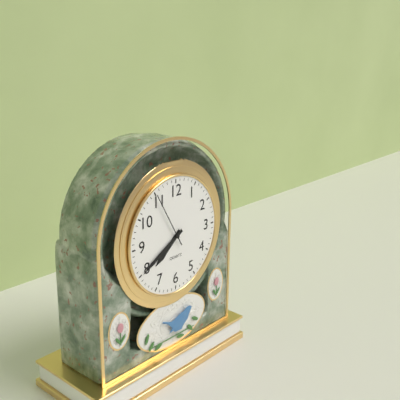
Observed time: 7:40:55
